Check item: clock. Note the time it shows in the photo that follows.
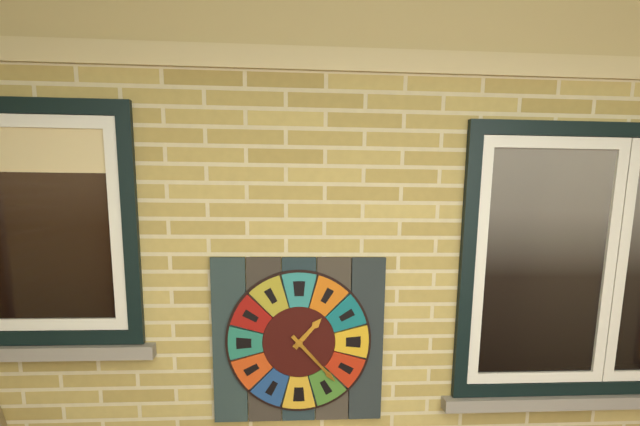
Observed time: 1:23
